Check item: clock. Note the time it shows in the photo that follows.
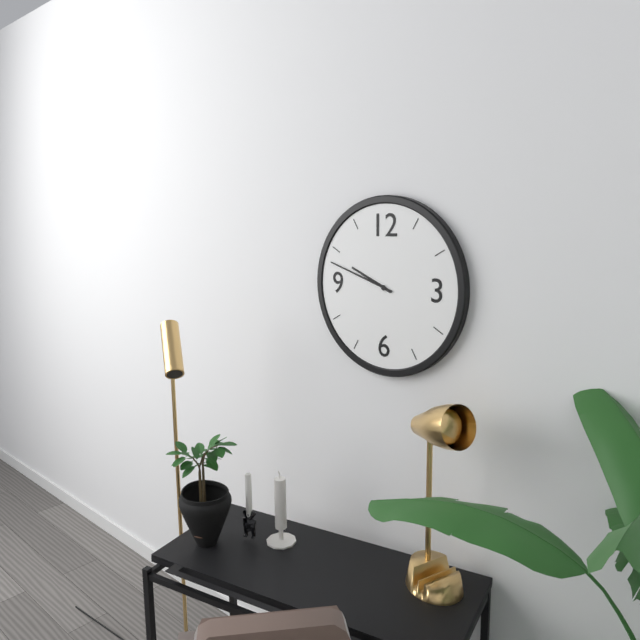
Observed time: 9:48
